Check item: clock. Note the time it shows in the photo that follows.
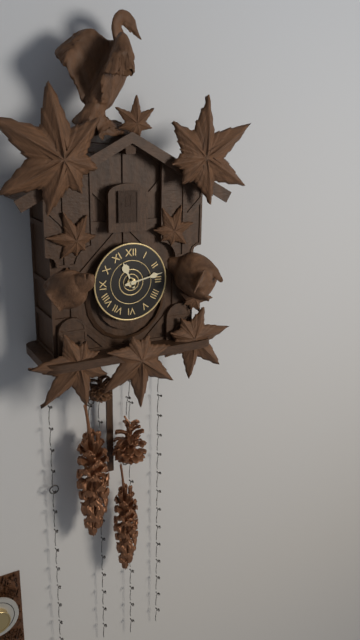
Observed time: 11:13
